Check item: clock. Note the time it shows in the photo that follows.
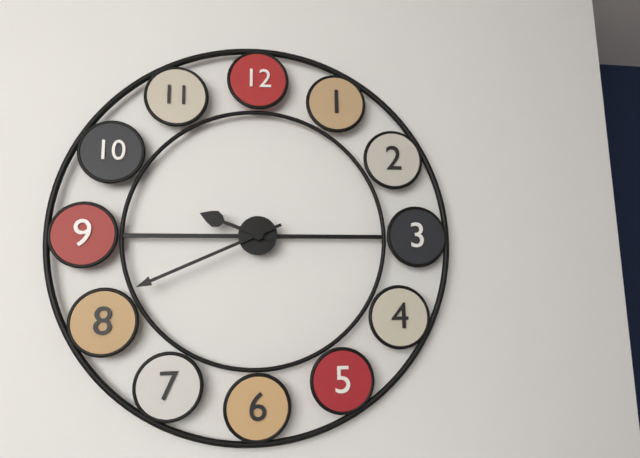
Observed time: 9:41
